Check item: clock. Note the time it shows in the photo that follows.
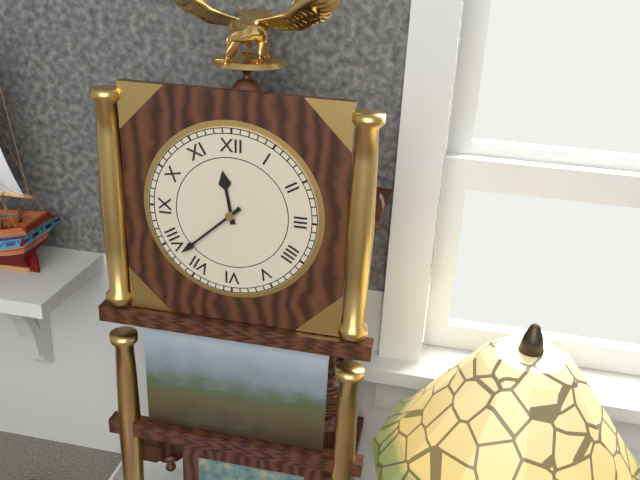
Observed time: 11:38
